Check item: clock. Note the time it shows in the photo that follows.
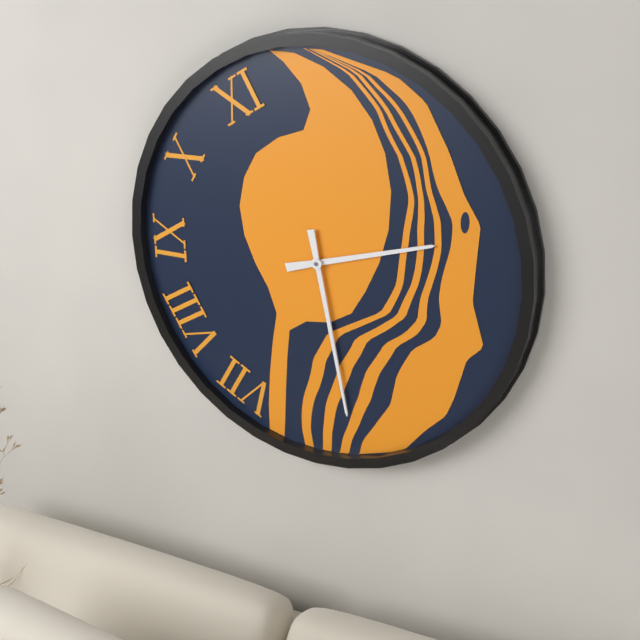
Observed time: 2:28
